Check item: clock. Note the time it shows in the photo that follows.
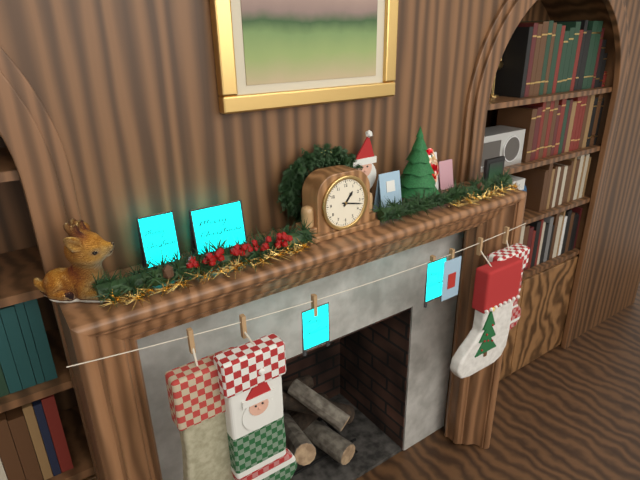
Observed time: 1:17
